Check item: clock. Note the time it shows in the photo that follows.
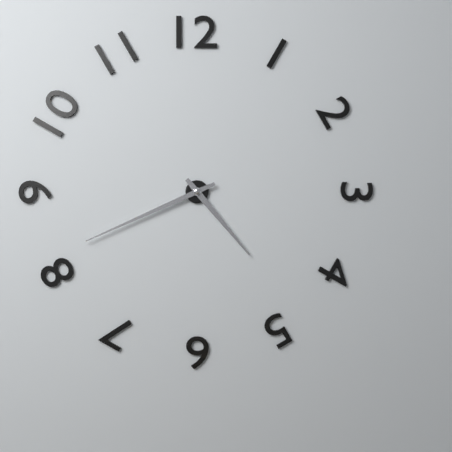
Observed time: 4:41
